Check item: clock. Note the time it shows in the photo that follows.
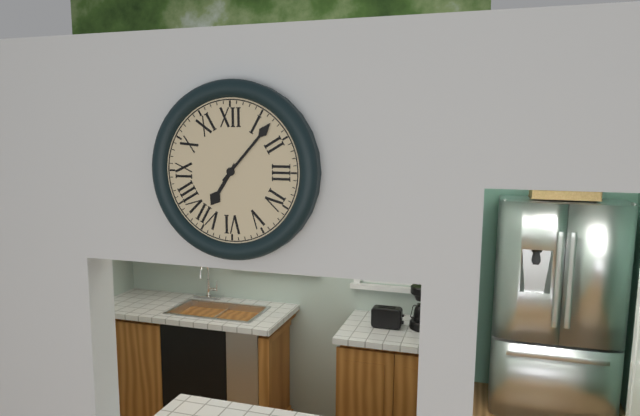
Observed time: 7:07
